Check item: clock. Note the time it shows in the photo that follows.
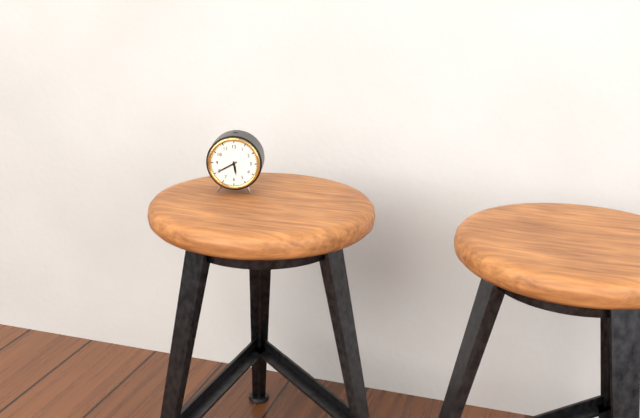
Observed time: 5:40
